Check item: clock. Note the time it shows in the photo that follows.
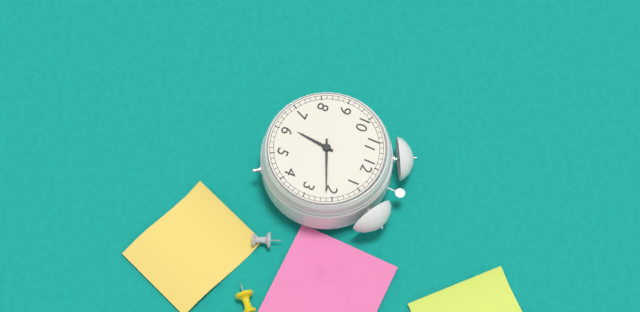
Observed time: 6:11
